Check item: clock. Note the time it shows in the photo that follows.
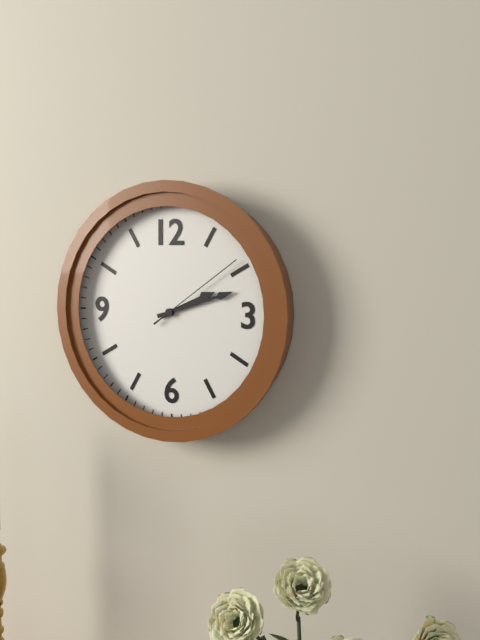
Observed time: 2:12:09
